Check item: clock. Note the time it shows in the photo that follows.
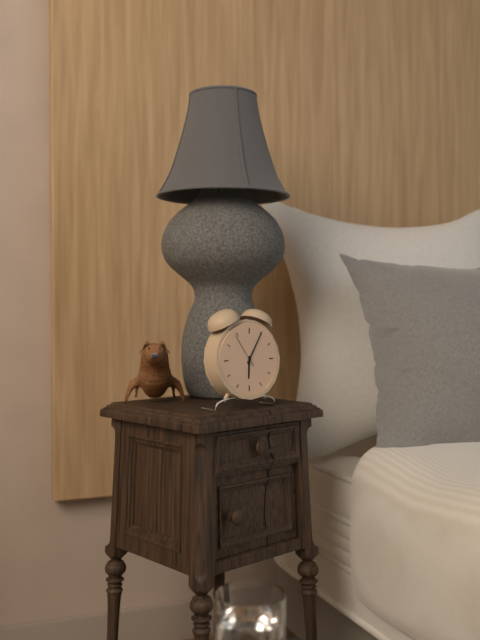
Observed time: 6:05
